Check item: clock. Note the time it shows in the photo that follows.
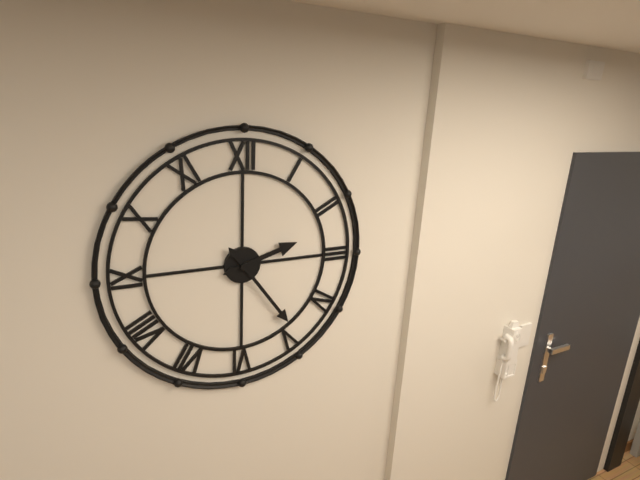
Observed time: 2:24
